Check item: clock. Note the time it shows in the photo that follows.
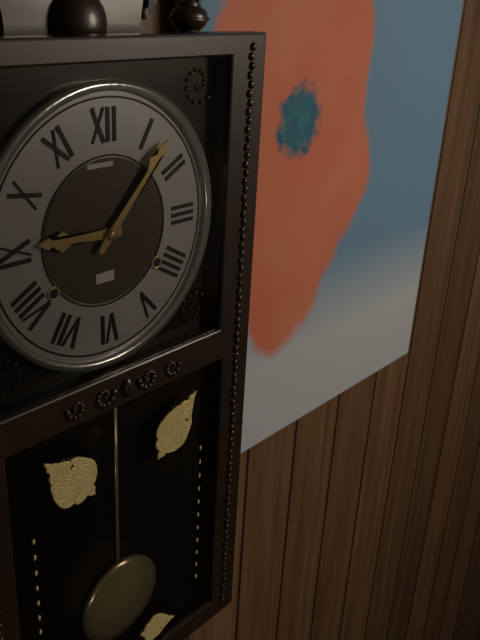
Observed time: 9:07
